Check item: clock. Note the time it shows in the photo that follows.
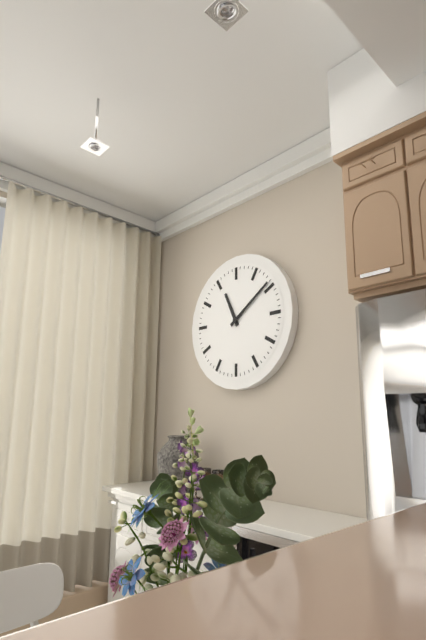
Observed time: 11:09
